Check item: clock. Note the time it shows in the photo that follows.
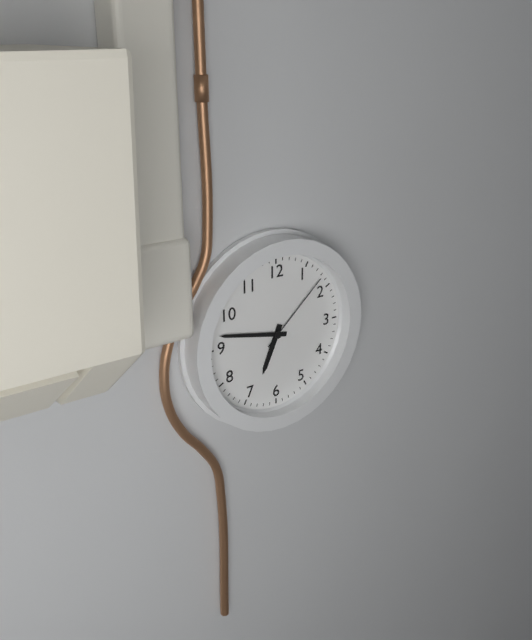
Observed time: 6:47:08
